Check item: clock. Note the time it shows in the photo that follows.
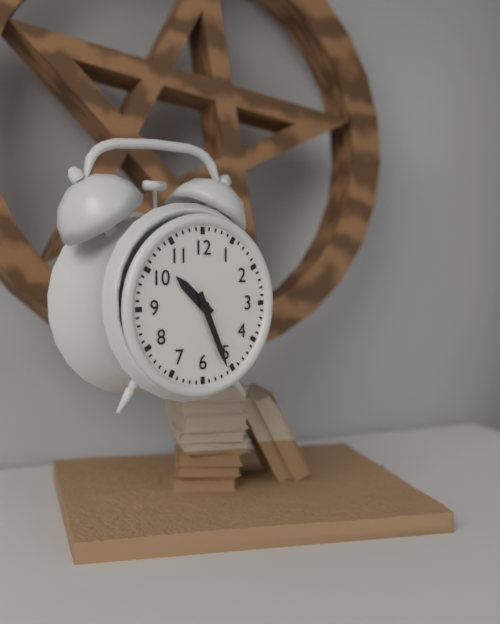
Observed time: 10:26
